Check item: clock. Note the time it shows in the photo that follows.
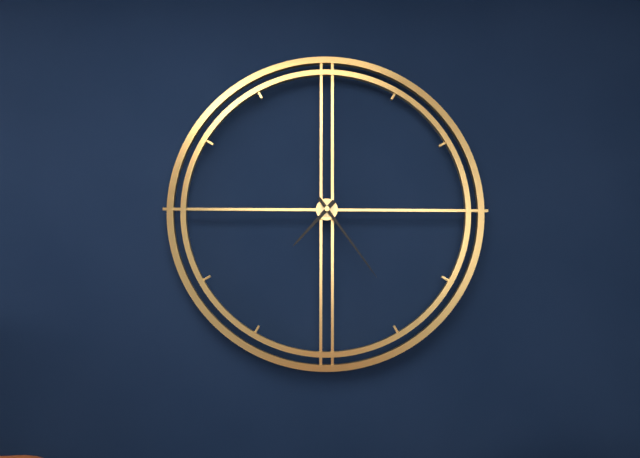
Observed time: 7:24
